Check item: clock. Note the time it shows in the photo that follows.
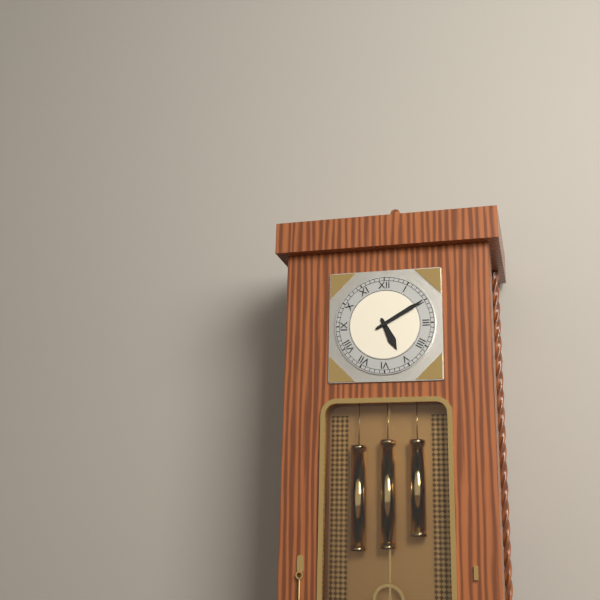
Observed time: 5:10
